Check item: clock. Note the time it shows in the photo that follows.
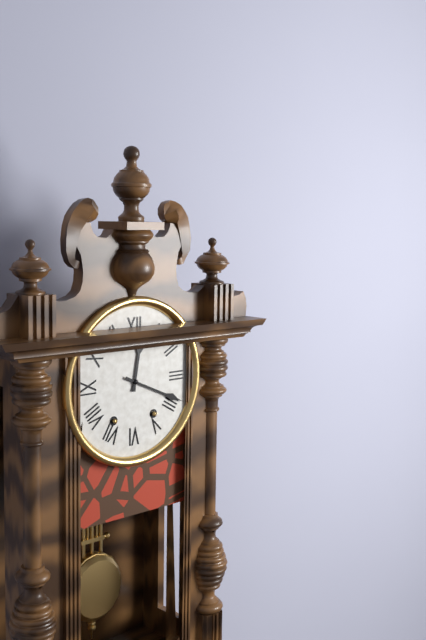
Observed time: 12:19
